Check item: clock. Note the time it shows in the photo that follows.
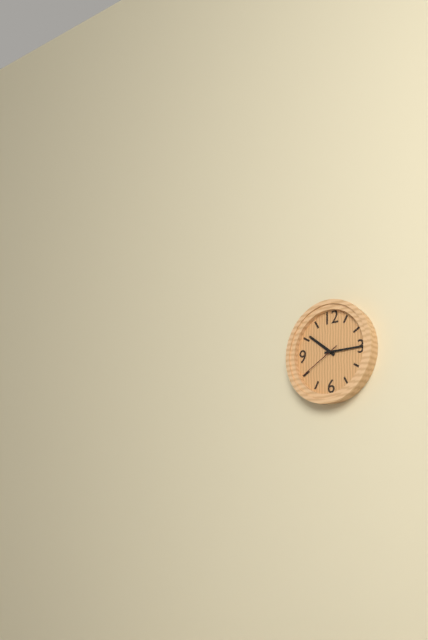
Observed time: 10:15
